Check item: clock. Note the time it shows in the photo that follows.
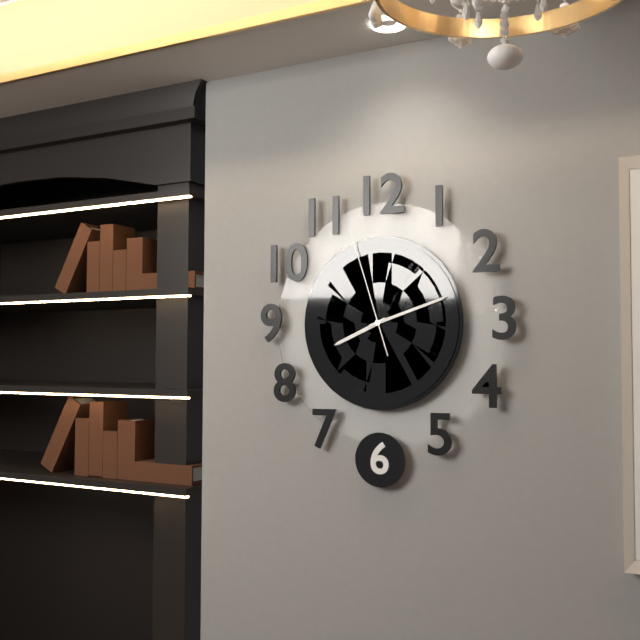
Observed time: 8:12:57
